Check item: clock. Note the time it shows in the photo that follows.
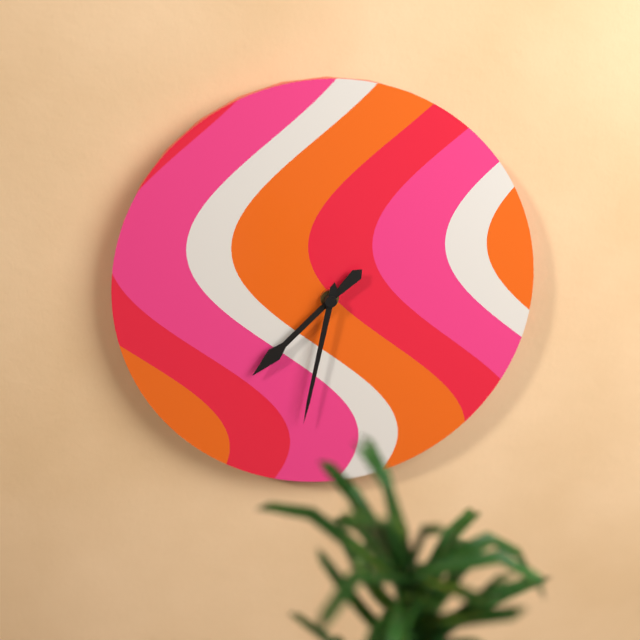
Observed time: 7:32
